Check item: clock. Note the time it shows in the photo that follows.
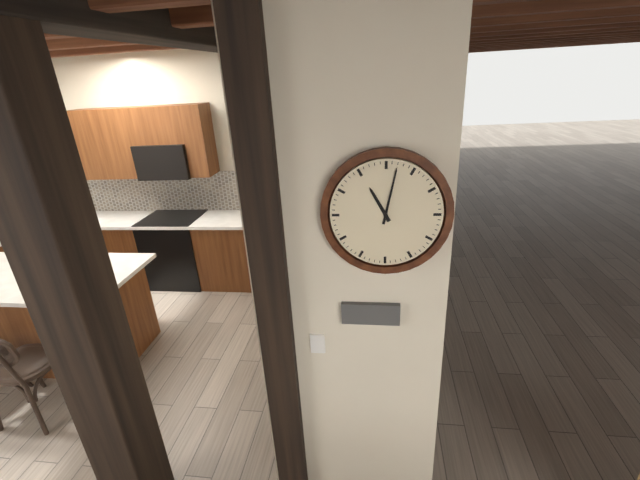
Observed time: 11:02
